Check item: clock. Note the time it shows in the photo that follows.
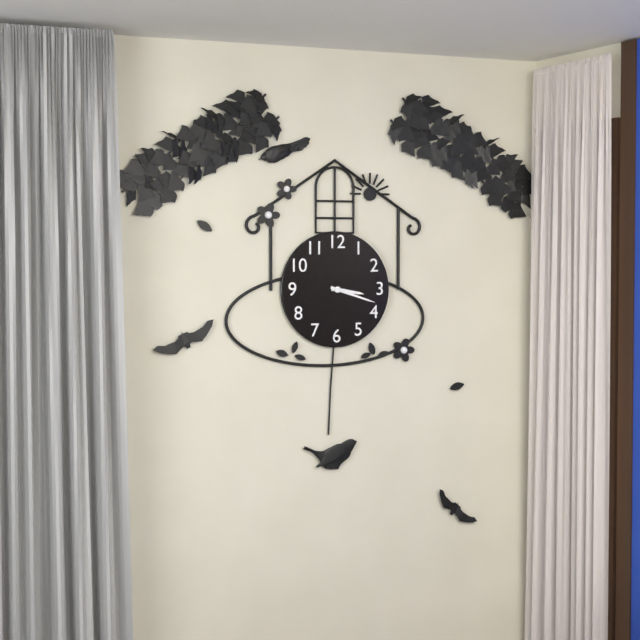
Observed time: 3:18
